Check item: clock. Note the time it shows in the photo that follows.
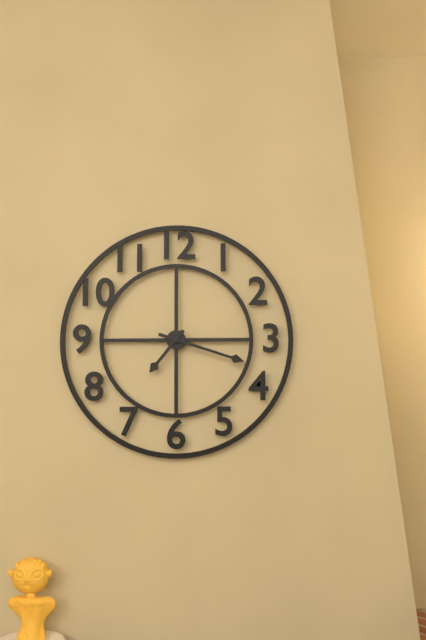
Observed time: 7:18
